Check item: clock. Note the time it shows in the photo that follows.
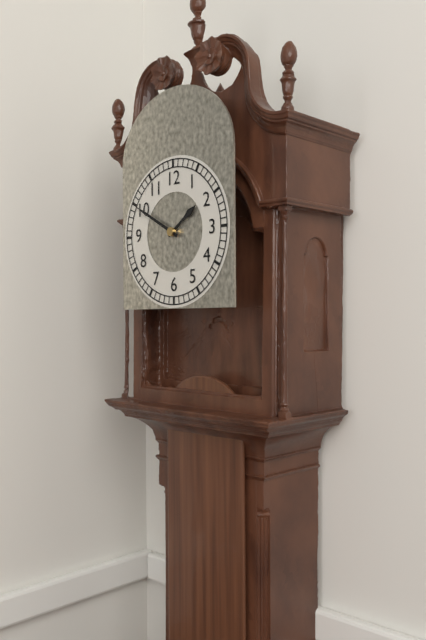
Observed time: 1:50
